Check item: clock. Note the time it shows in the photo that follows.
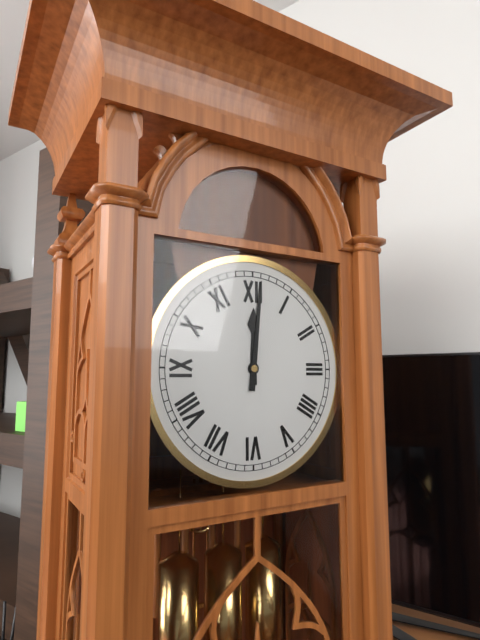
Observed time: 12:01
